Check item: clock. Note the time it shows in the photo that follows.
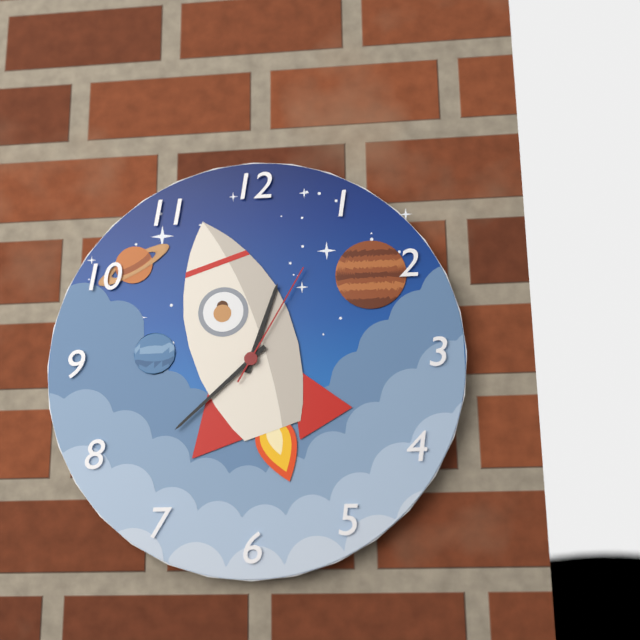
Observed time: 12:38:05
